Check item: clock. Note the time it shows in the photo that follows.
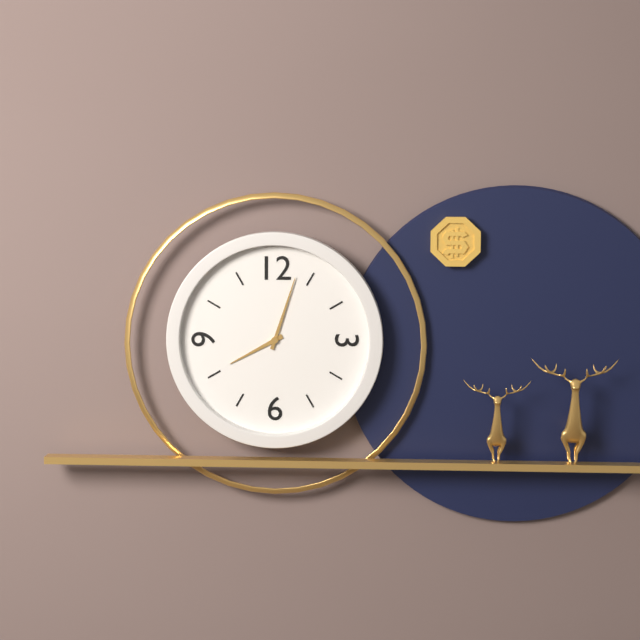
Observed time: 8:03
